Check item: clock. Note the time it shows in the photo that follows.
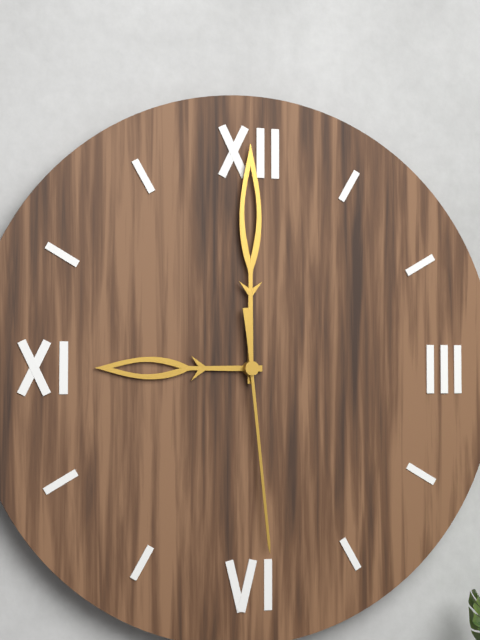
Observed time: 9:00:29
